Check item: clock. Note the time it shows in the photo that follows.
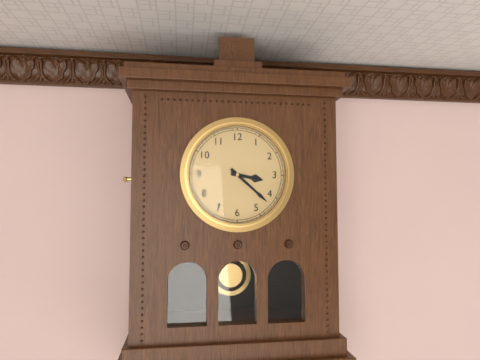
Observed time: 3:22
